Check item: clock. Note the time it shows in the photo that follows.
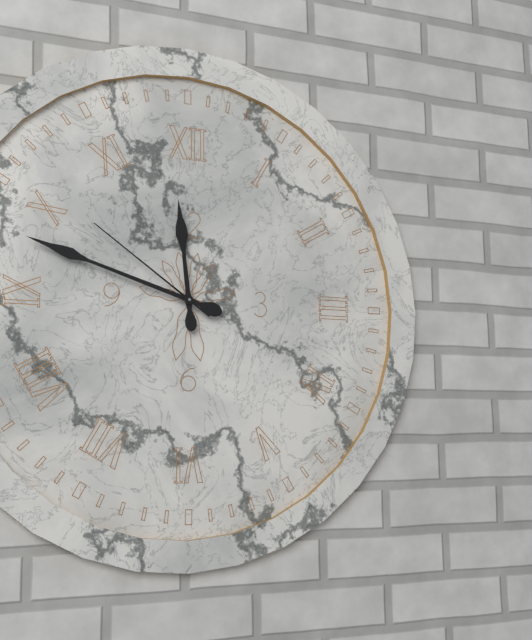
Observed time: 11:48:51
